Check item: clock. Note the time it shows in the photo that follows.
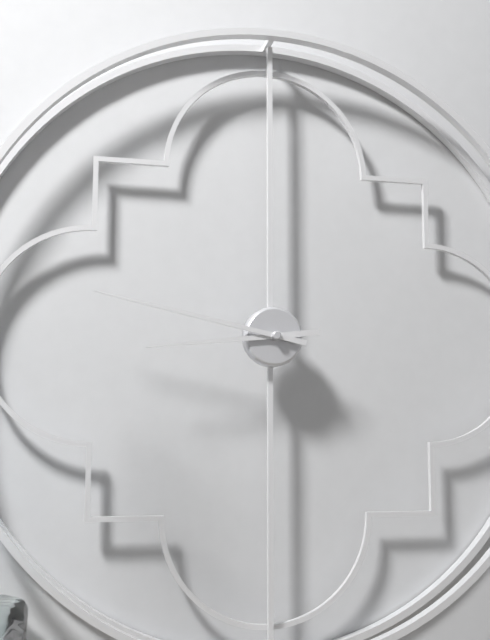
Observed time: 8:47
